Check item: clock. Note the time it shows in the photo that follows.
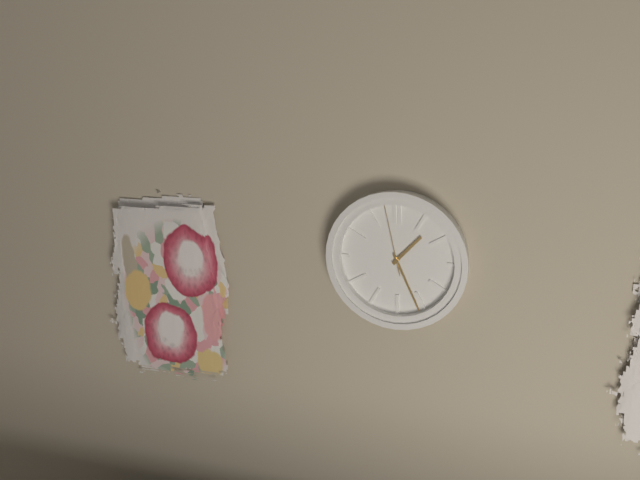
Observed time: 1:26:58
